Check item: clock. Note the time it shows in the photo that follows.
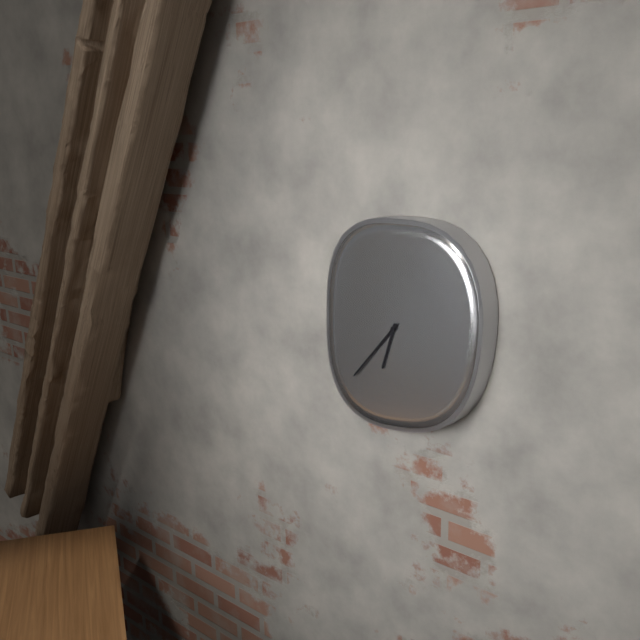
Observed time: 6:37
